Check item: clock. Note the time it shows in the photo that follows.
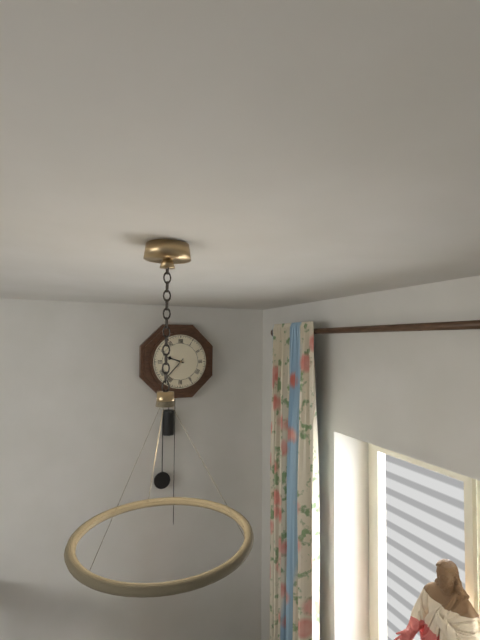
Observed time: 9:37
